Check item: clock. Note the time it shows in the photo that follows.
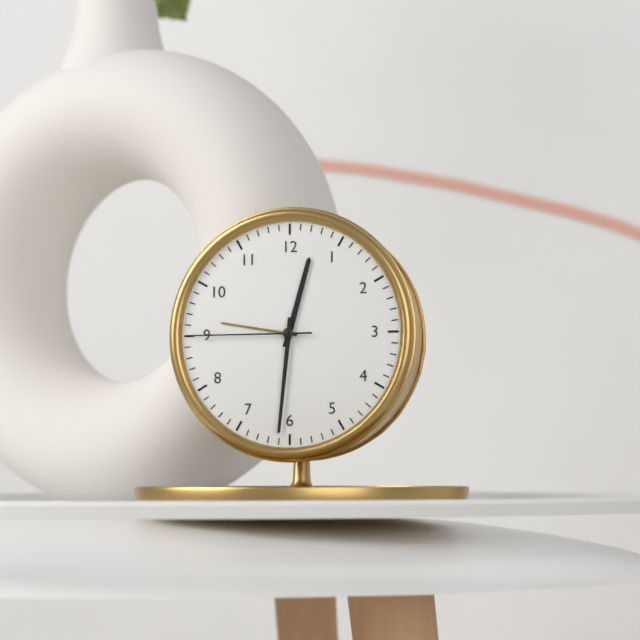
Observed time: 12:31:45
